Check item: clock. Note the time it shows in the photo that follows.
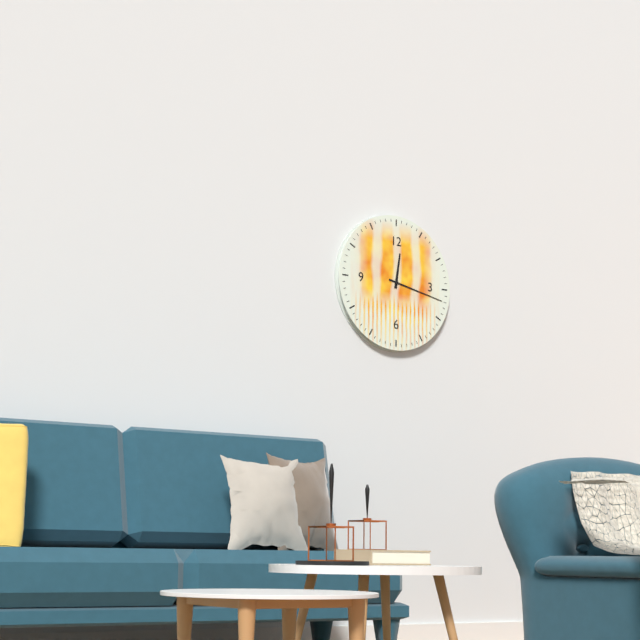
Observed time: 12:17
